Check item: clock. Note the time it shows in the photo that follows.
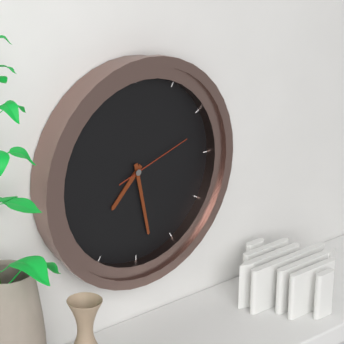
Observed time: 7:28:12
